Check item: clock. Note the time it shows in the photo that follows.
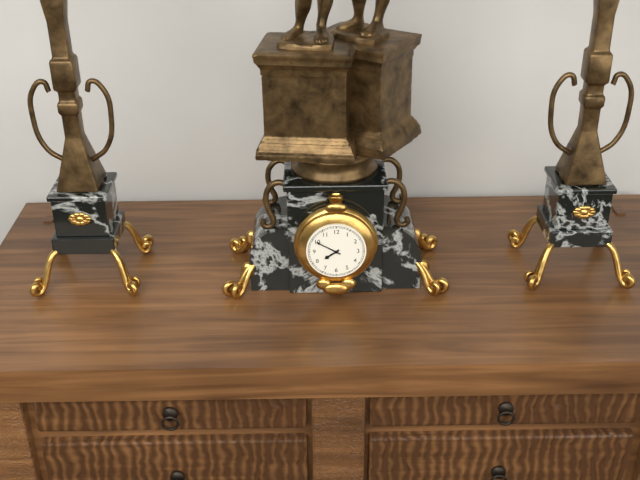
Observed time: 7:50
